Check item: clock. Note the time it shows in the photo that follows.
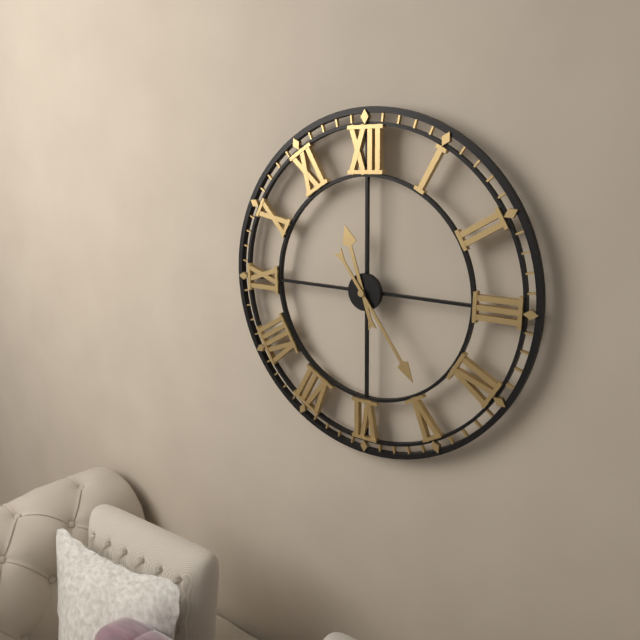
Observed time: 11:24
